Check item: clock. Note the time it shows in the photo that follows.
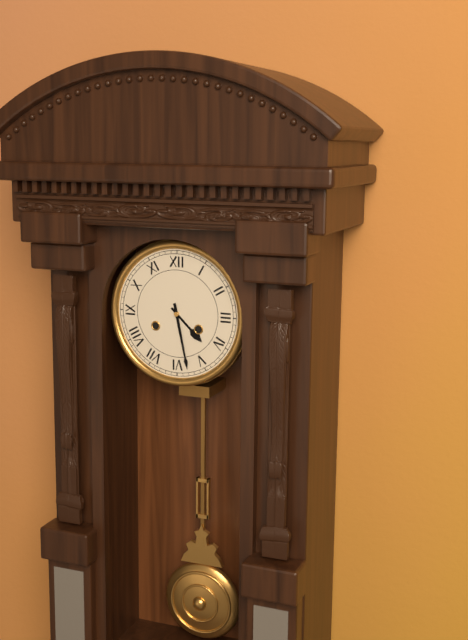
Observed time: 4:28
